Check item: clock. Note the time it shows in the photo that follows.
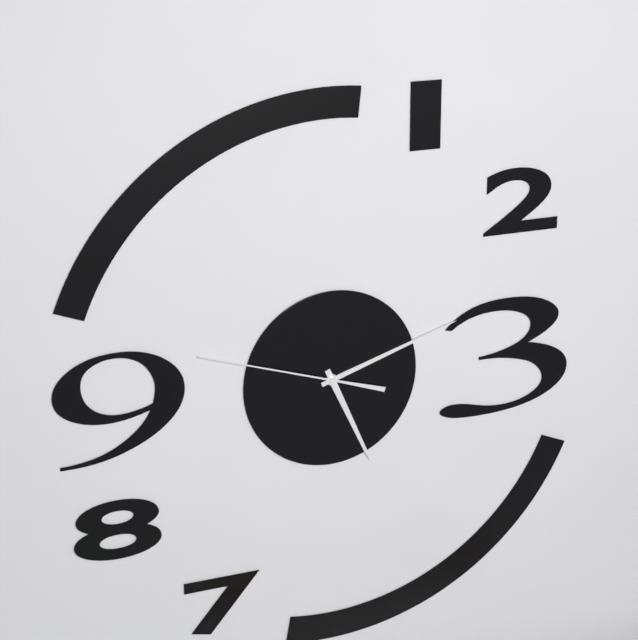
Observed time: 5:12:48
